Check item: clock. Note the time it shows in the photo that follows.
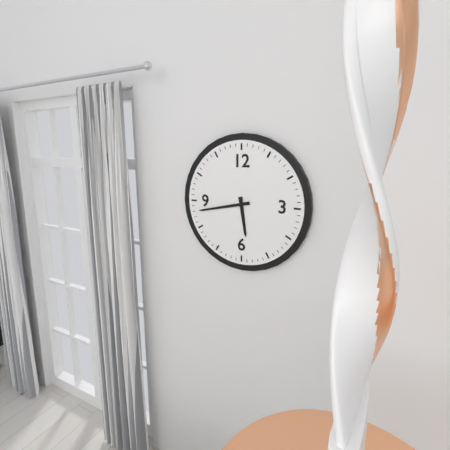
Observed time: 5:43
